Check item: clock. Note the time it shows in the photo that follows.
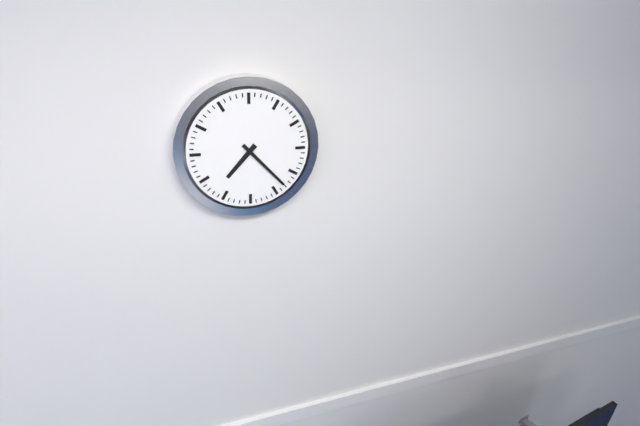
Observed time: 7:23
